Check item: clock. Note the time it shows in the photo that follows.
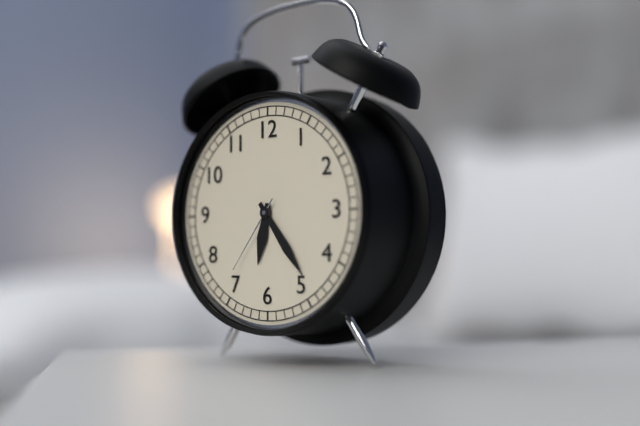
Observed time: 6:24:36
